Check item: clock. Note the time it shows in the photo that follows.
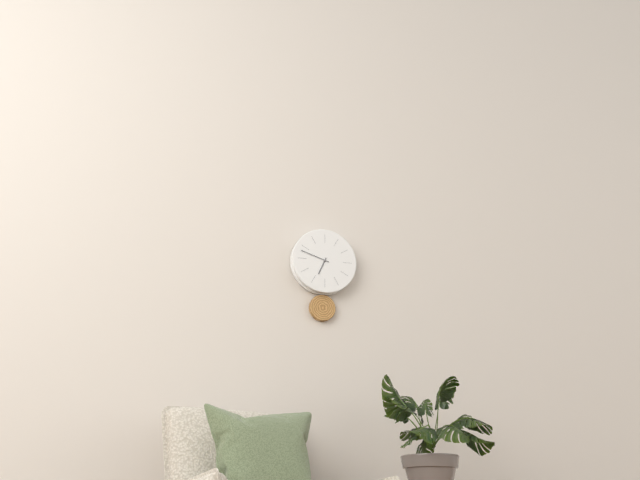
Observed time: 6:48
